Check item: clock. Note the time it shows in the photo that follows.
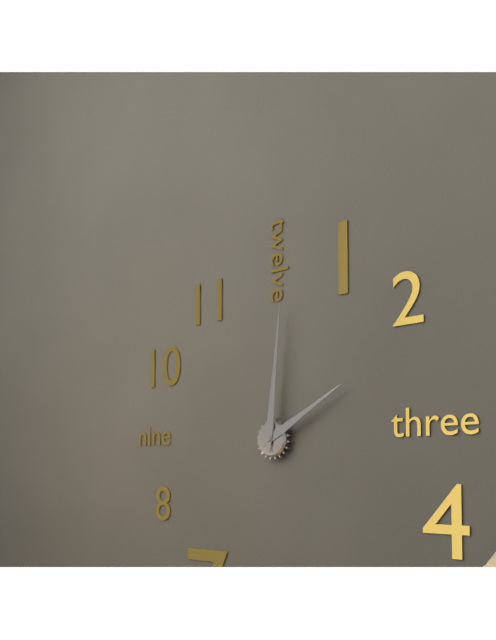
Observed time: 2:01
